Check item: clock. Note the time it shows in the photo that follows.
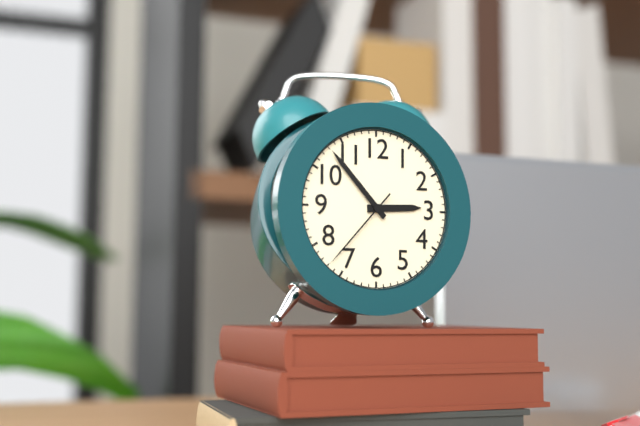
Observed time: 2:53:37
